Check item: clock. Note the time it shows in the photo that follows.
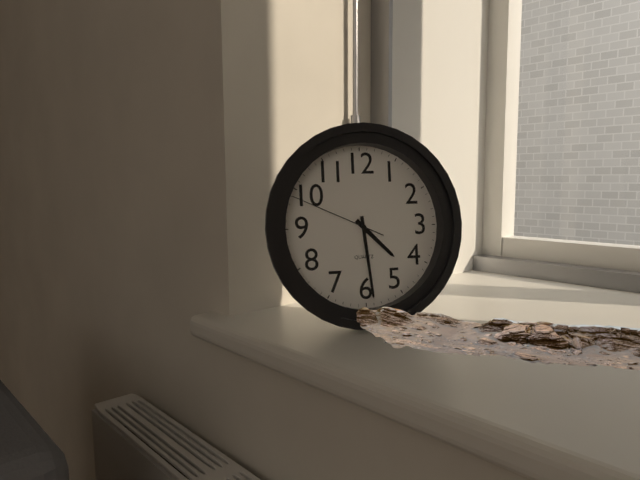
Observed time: 4:29:49
